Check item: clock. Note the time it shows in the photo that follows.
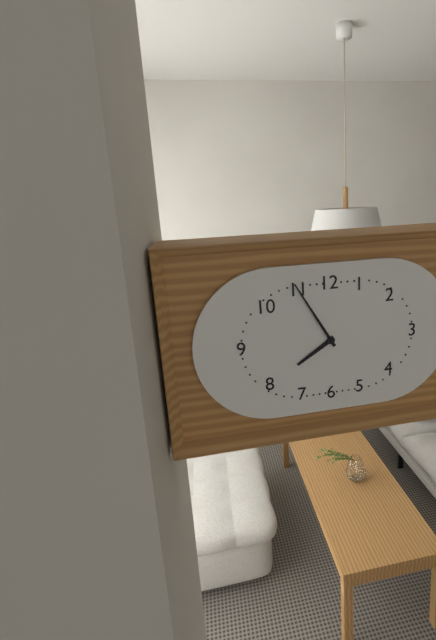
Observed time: 7:55
